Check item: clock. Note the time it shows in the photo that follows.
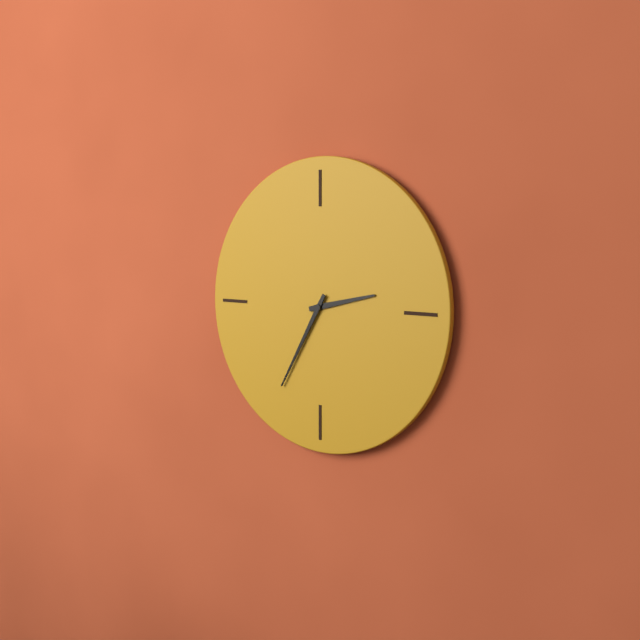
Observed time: 2:35
